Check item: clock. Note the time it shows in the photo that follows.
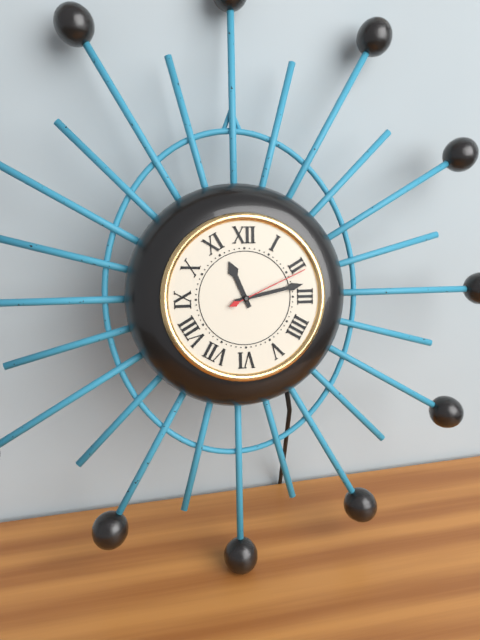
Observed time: 11:13:11
